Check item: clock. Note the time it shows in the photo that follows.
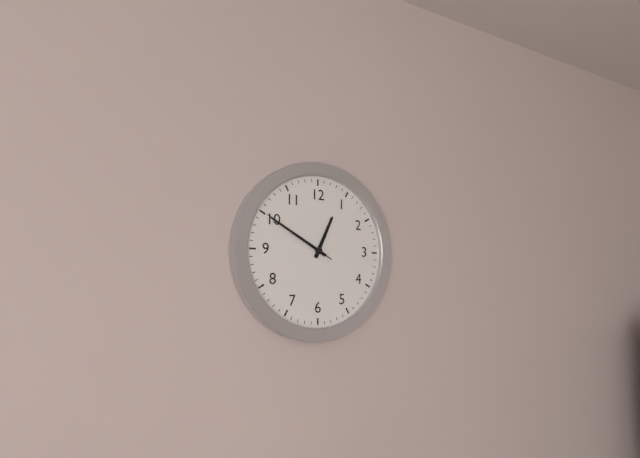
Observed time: 12:50:50
